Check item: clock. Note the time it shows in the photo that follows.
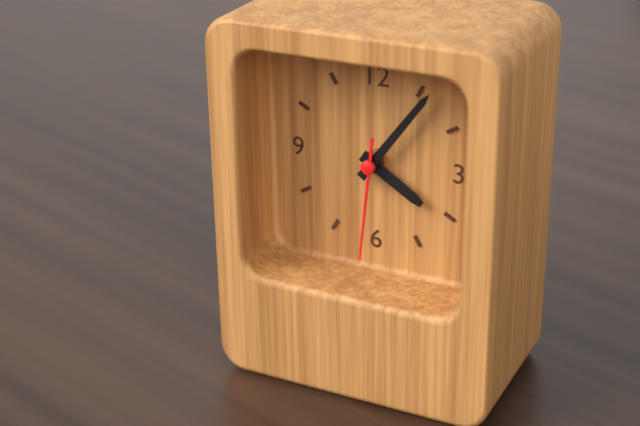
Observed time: 4:06:31
